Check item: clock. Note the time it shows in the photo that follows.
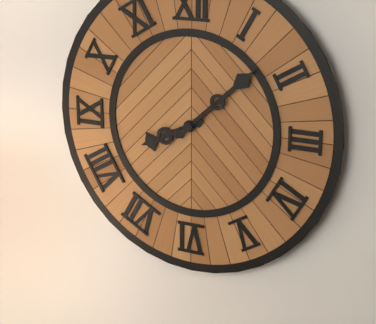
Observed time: 8:08
